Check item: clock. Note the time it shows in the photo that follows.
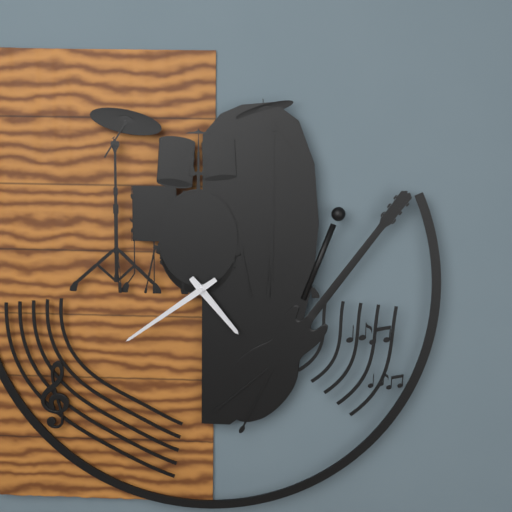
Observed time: 4:39
